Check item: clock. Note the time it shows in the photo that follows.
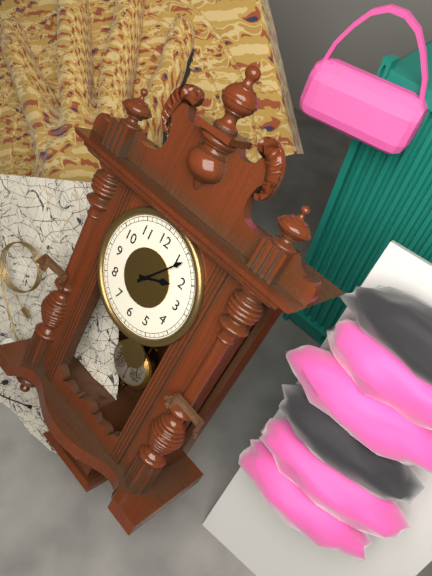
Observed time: 2:06
